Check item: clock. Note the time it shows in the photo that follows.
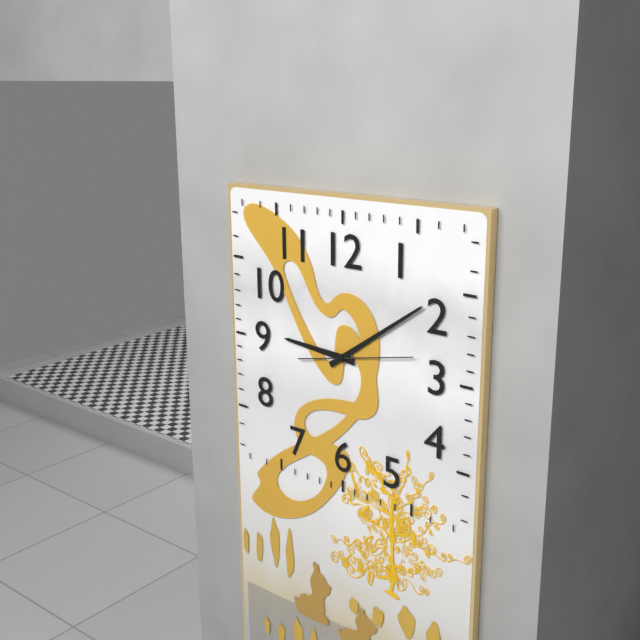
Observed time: 9:09:13
